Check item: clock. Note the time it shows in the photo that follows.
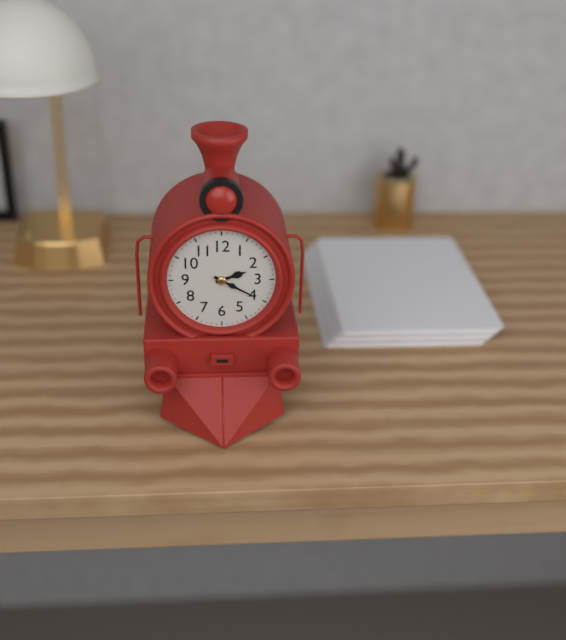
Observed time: 2:20
